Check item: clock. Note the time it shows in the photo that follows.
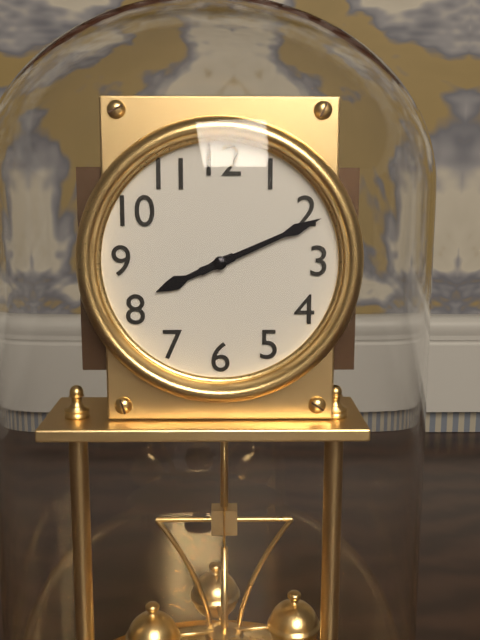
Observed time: 8:11
